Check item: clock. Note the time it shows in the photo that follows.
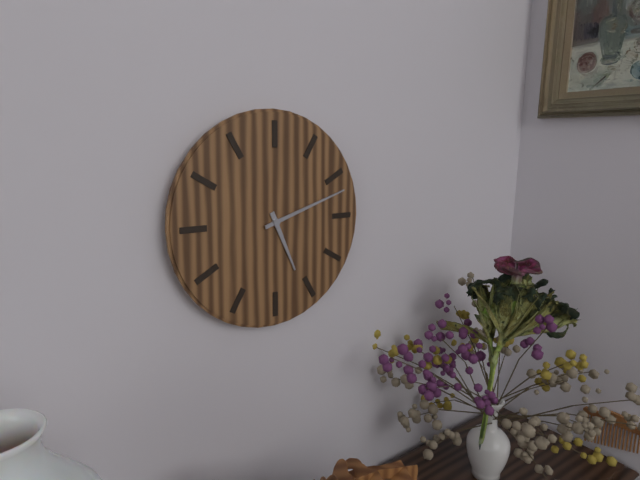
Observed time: 5:12
